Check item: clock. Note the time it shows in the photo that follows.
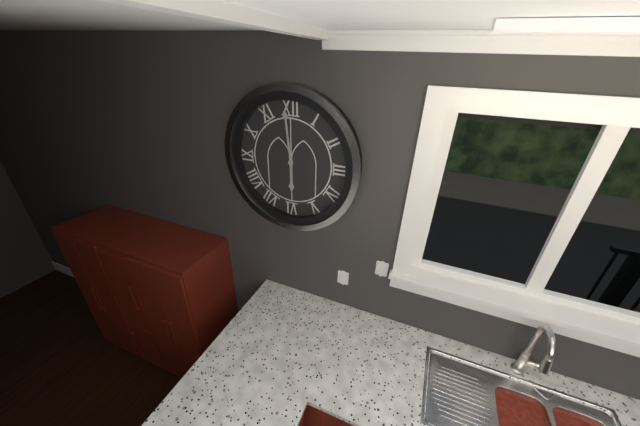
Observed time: 5:59
